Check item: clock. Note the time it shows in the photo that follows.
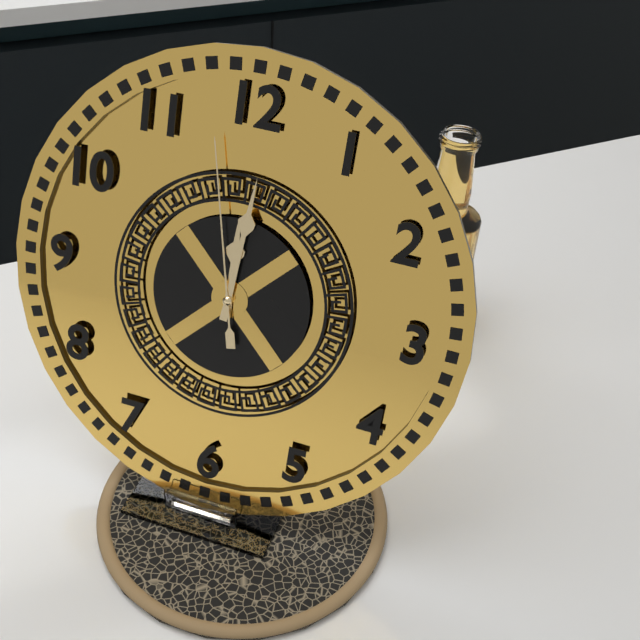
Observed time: 12:01:58
